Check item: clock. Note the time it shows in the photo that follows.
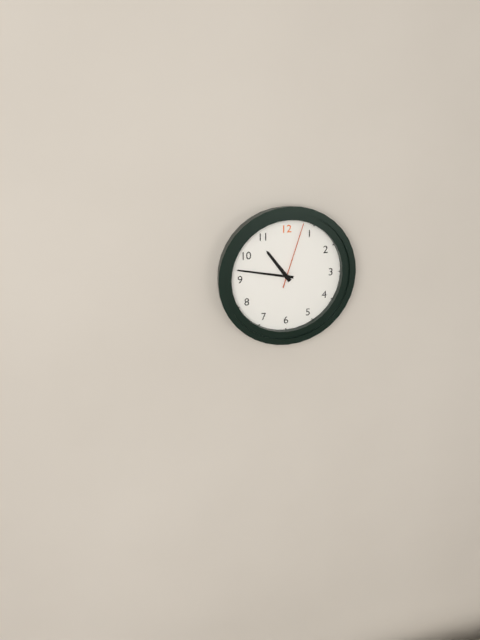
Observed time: 10:47:03
